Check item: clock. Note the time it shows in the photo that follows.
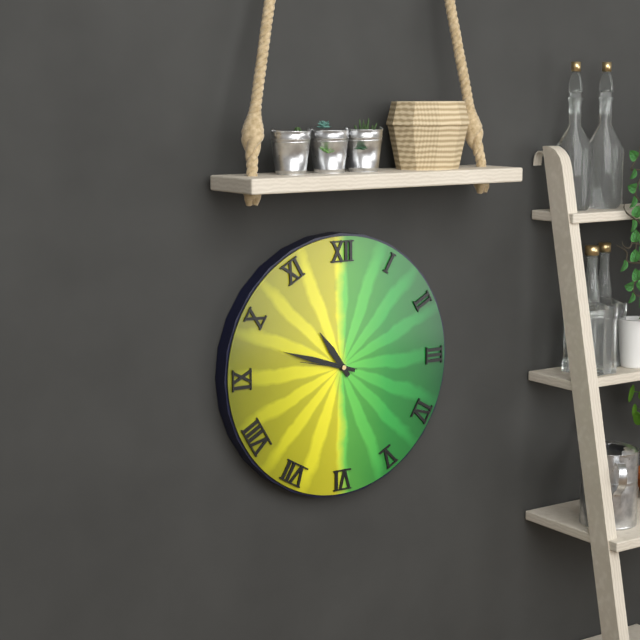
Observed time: 10:48:47
